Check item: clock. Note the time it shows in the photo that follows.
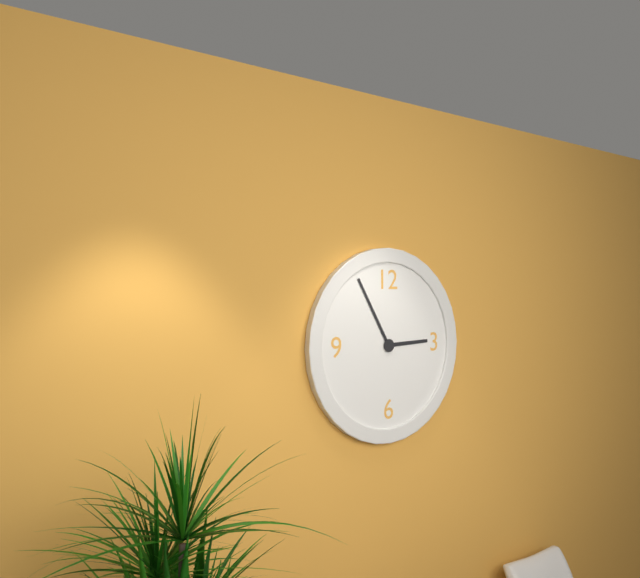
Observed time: 2:55
